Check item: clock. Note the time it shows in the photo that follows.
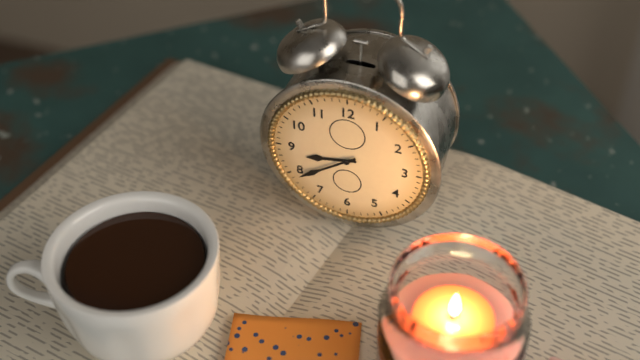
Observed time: 8:39
